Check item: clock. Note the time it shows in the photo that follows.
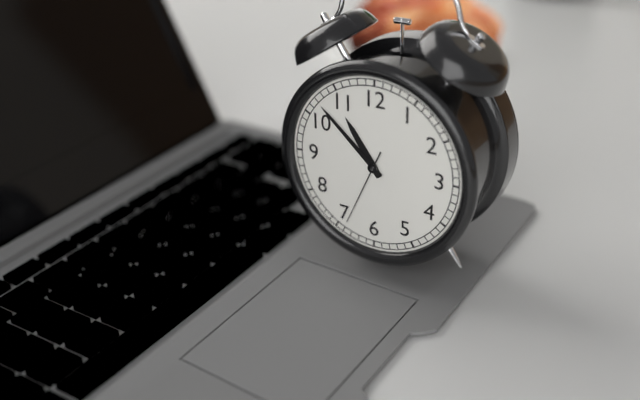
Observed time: 10:52:34
